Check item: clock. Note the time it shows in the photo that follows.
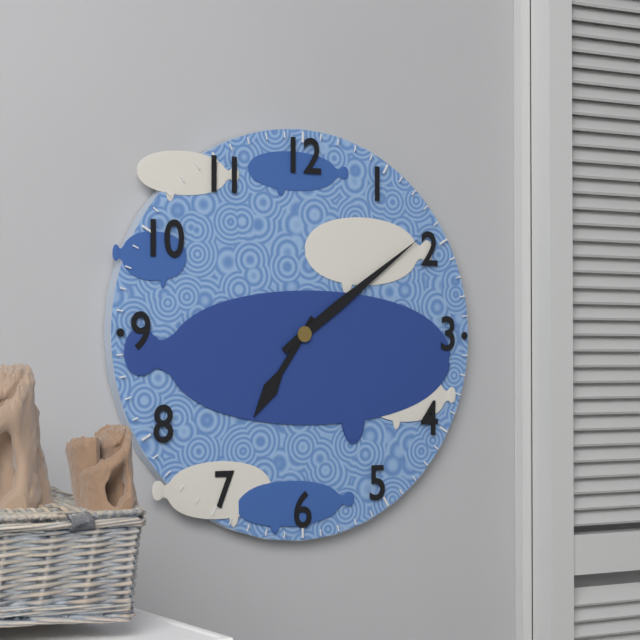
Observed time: 7:09
